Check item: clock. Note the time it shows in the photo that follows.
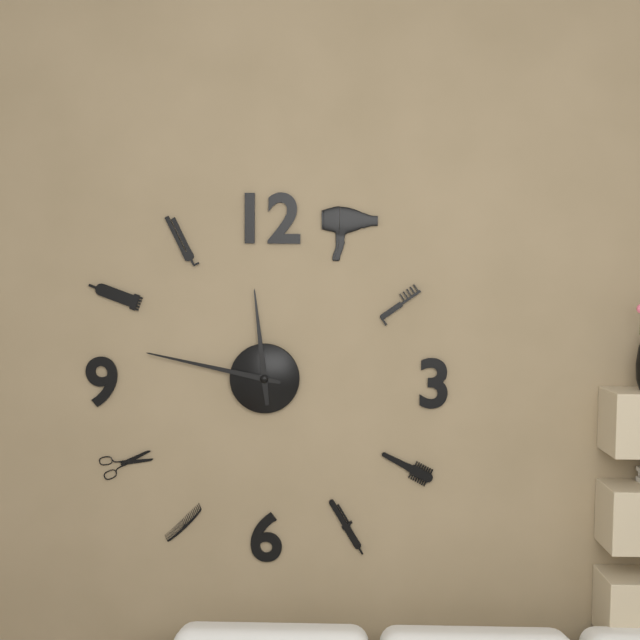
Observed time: 11:47
